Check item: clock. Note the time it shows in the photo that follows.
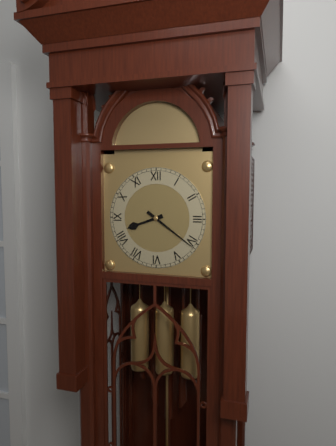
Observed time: 8:21
